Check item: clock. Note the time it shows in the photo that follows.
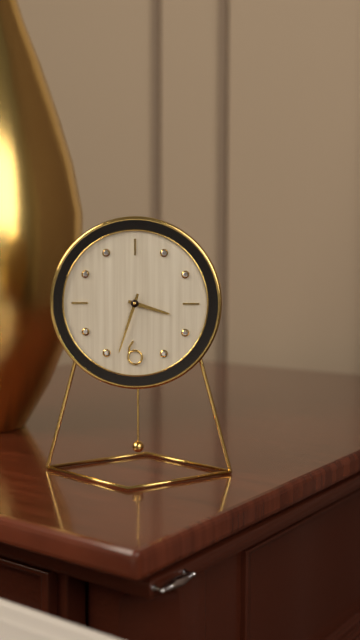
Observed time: 3:33
